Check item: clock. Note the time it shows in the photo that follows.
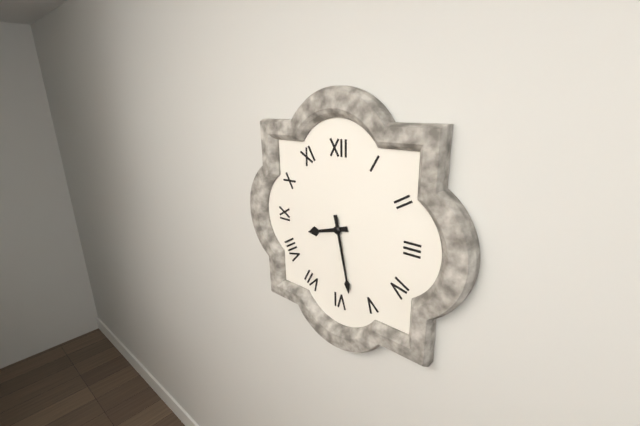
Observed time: 8:28
